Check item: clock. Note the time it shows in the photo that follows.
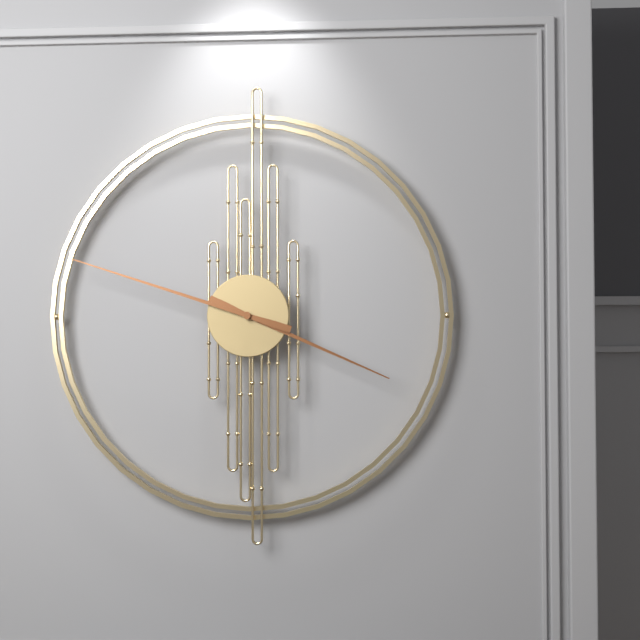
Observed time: 3:48
